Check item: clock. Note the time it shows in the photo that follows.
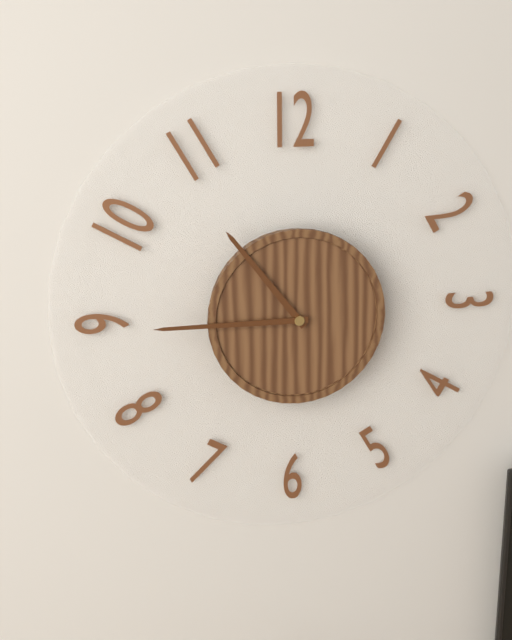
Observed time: 10:45
